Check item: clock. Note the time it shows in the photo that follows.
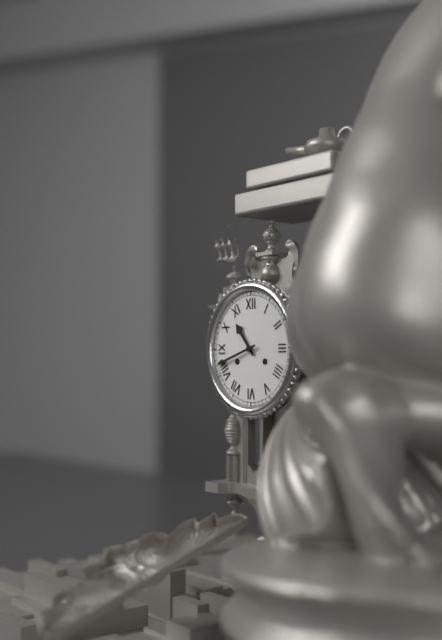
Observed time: 10:42
